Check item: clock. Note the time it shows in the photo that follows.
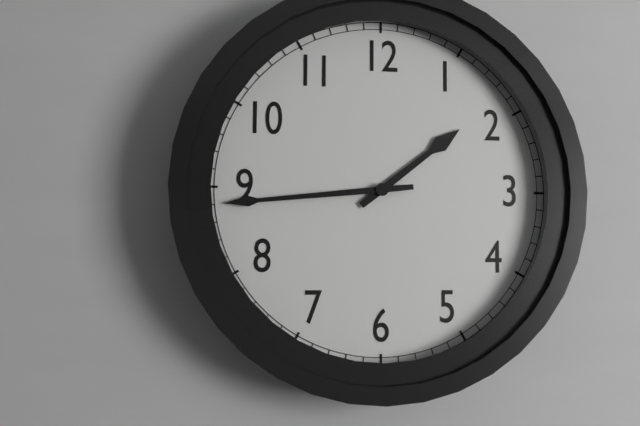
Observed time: 1:44
